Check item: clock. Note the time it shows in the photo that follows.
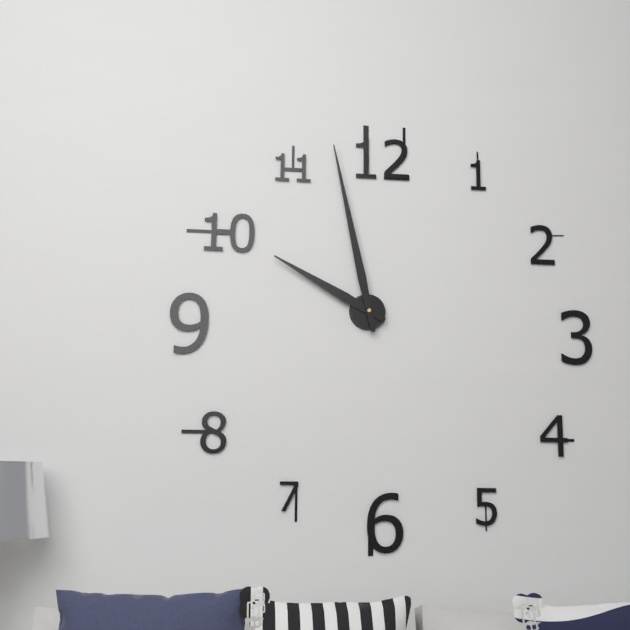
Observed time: 9:58
